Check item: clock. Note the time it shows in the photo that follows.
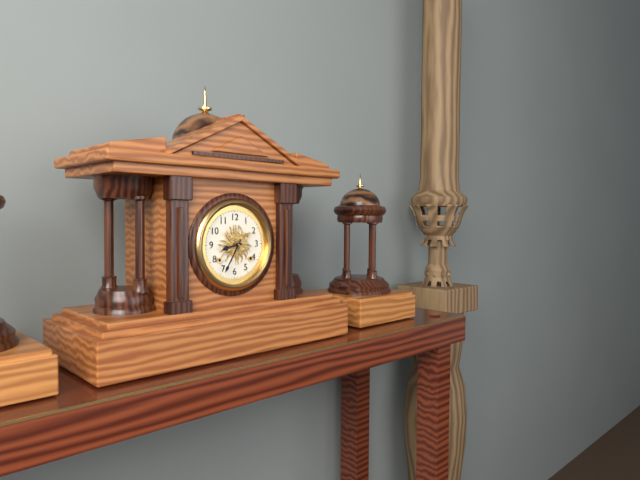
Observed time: 8:35
